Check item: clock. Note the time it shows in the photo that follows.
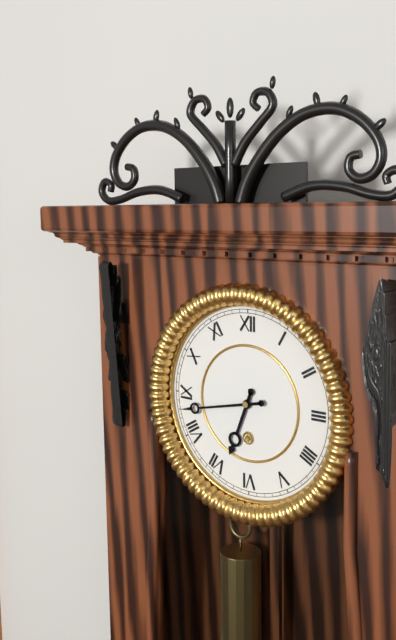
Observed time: 6:43
